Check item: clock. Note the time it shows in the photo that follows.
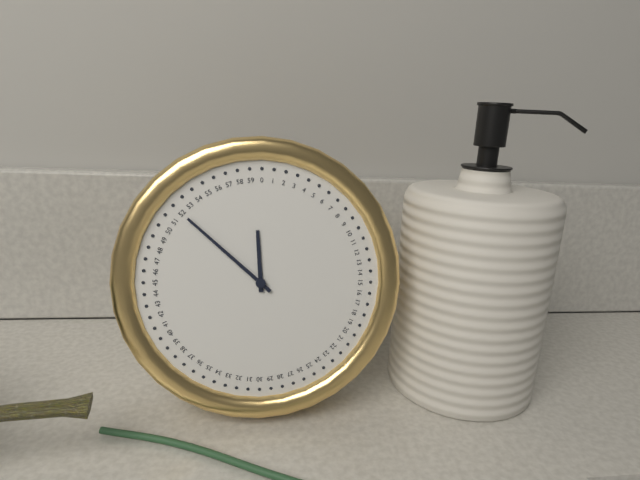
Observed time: 11:52
